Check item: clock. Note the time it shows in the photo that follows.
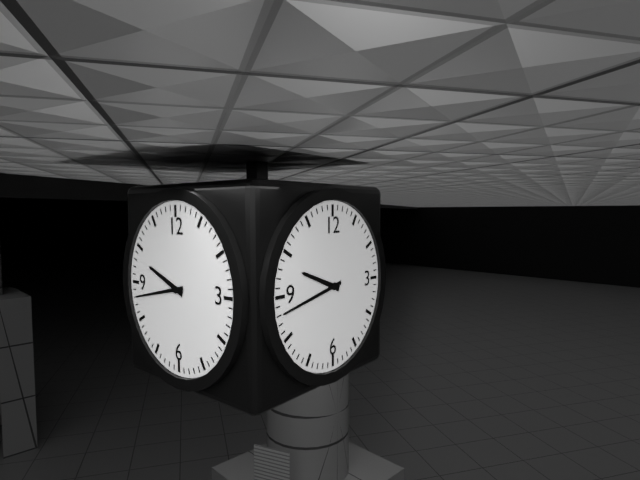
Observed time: 9:43
